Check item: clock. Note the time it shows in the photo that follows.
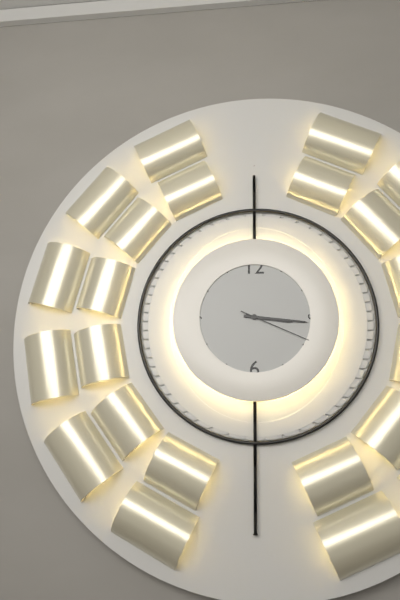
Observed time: 3:16:19
